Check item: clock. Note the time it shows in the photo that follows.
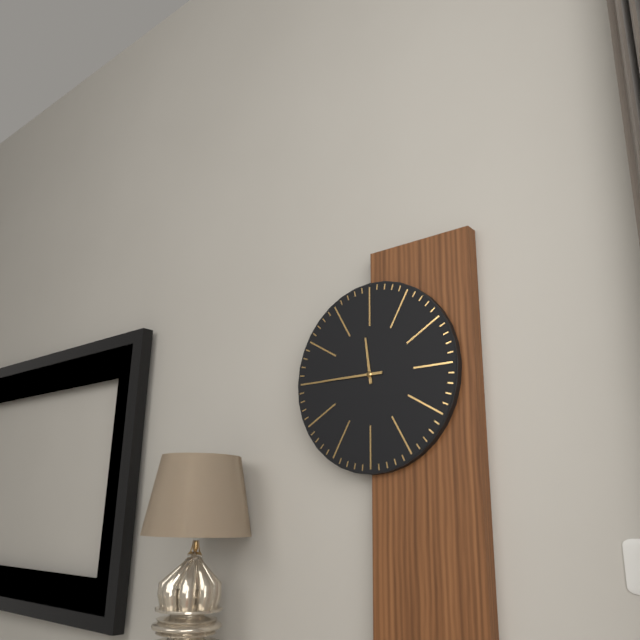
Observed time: 11:45
